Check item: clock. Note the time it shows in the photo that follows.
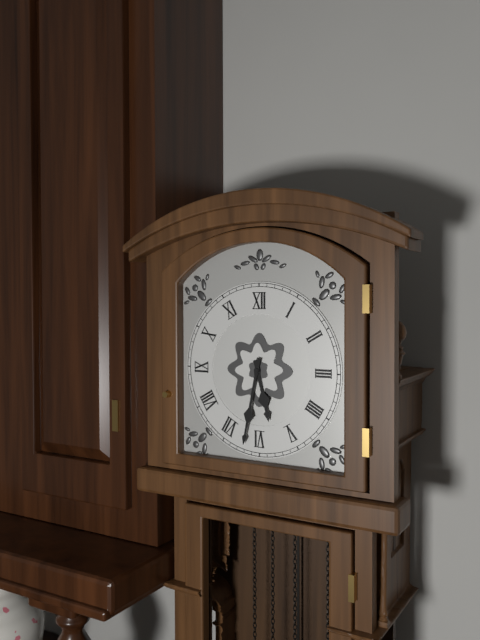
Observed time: 5:32
